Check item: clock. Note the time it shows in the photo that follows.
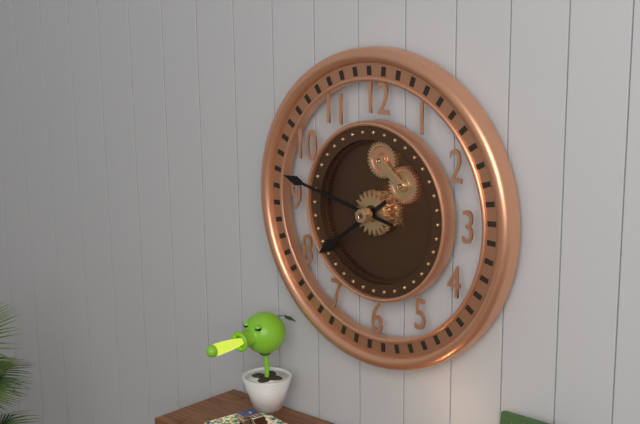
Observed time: 7:47
